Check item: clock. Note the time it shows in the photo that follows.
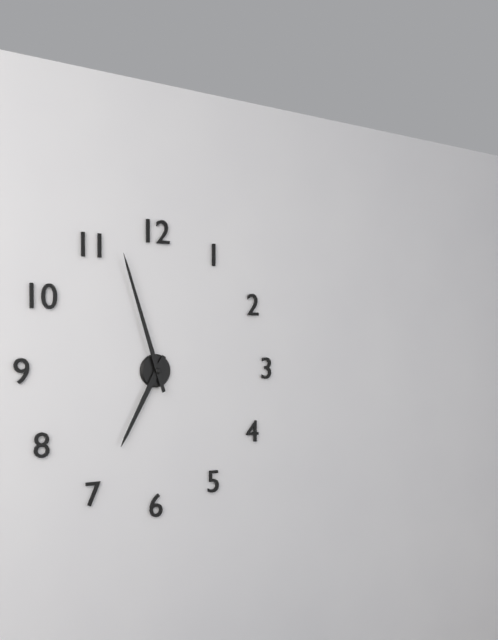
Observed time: 6:57
